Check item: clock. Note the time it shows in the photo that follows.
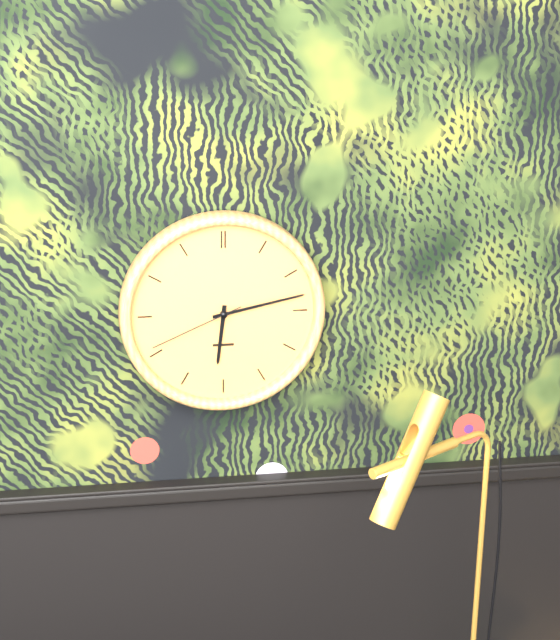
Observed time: 6:13:41
